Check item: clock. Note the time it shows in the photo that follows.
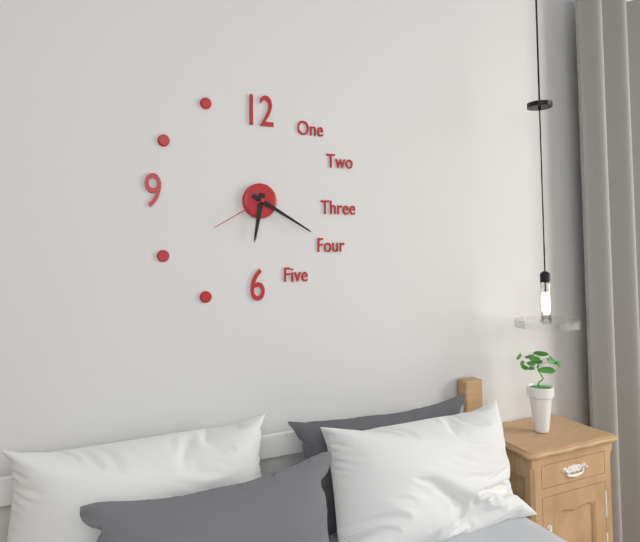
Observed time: 6:20:40
